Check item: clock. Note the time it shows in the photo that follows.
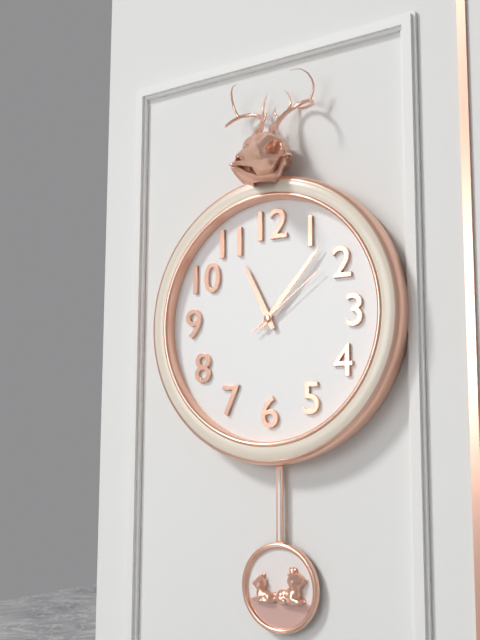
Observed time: 11:07:09
